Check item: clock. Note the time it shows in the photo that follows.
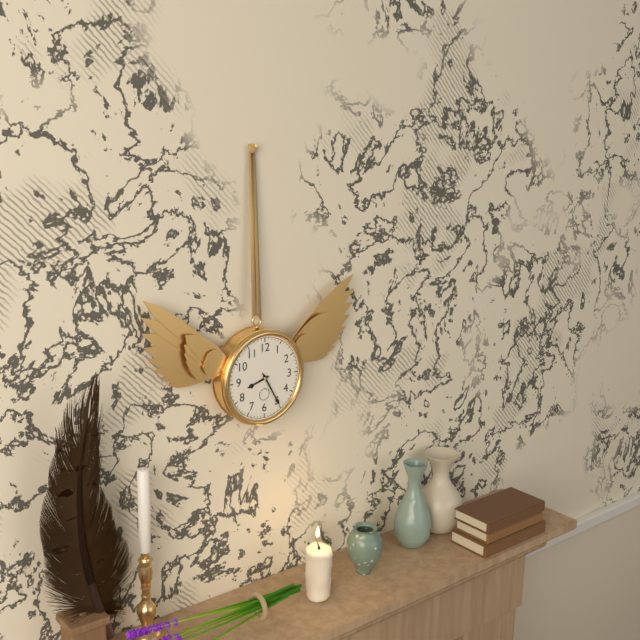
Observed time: 8:25
